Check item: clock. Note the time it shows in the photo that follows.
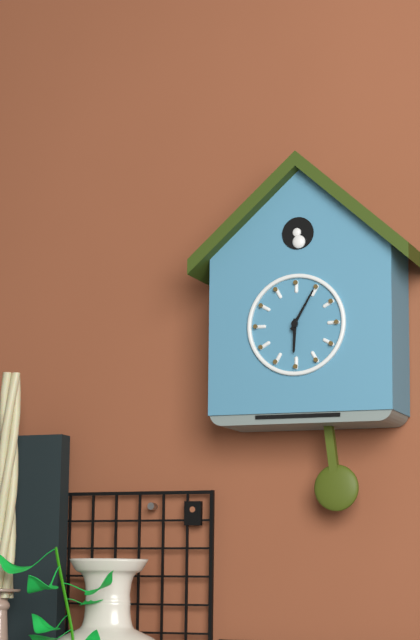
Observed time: 6:05
